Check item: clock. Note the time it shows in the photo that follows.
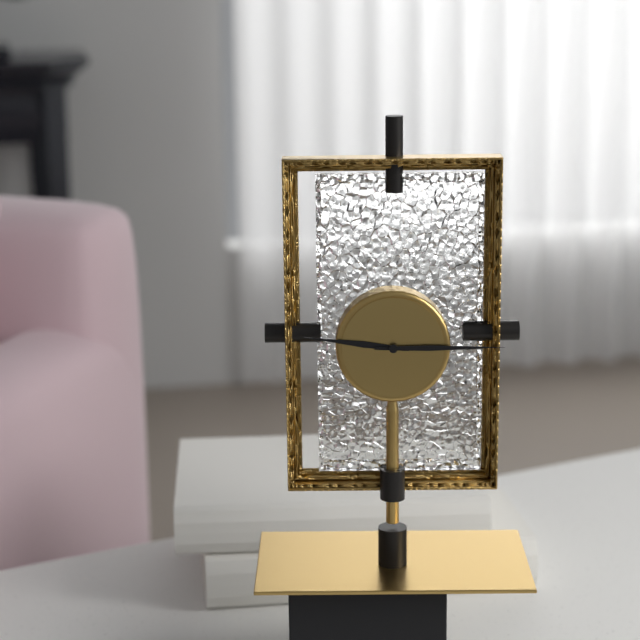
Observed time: 9:15
